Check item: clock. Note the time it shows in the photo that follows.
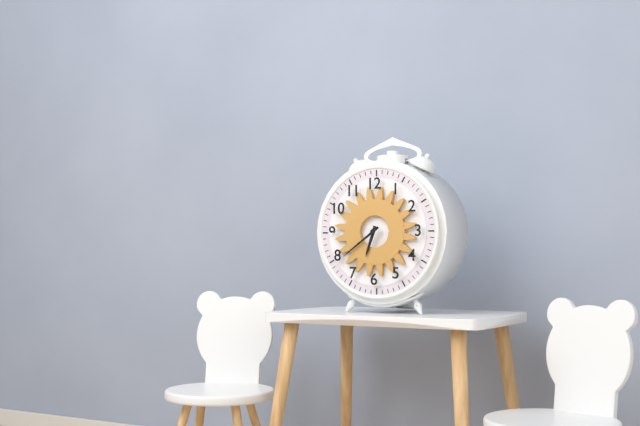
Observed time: 6:39
